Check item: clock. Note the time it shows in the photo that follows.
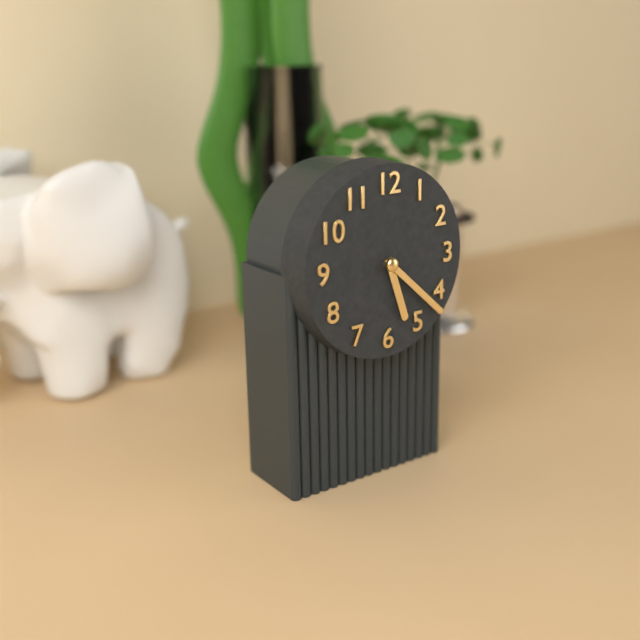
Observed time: 5:22
